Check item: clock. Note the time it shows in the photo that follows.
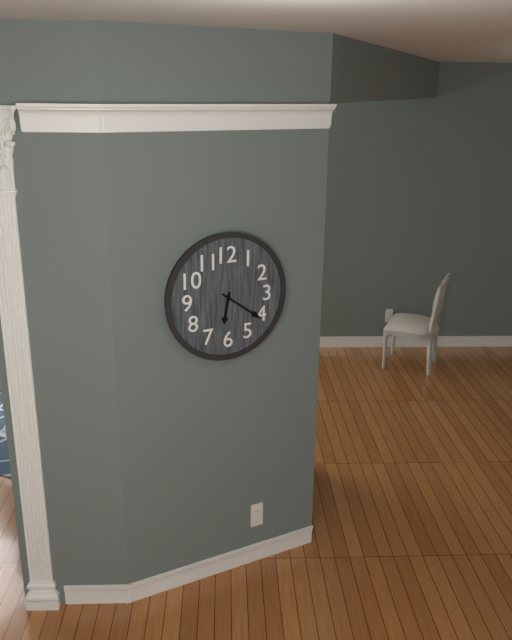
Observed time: 6:21
